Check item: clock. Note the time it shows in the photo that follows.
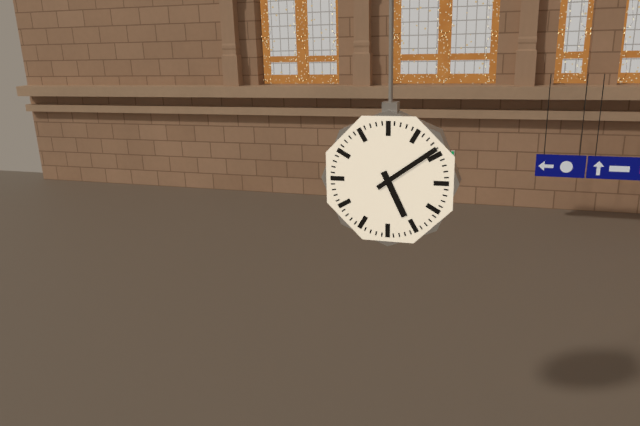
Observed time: 5:09
